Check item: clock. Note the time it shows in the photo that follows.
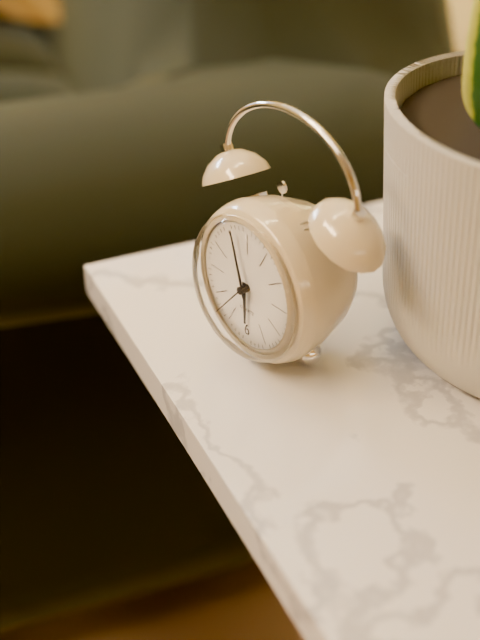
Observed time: 5:57
